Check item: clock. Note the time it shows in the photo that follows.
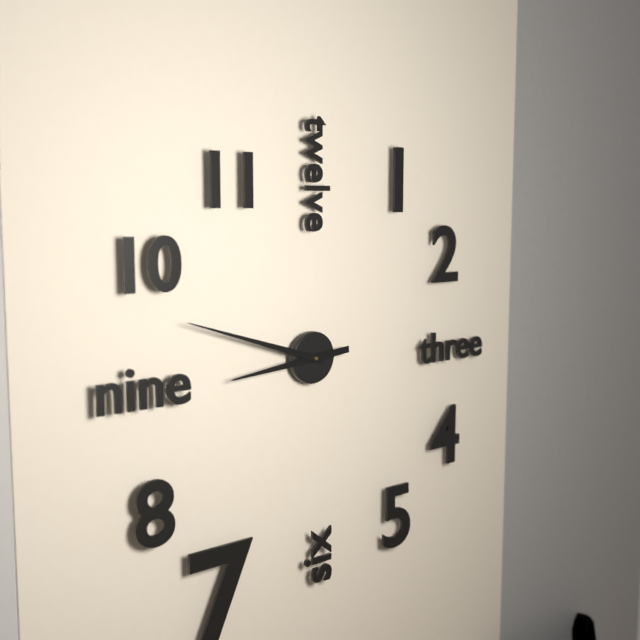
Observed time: 8:48
